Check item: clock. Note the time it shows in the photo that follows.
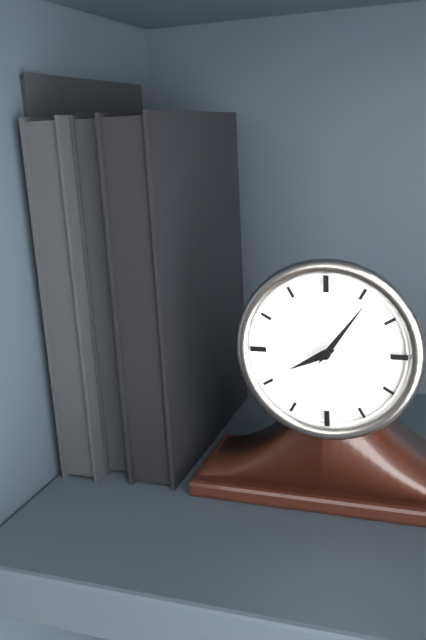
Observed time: 8:06
